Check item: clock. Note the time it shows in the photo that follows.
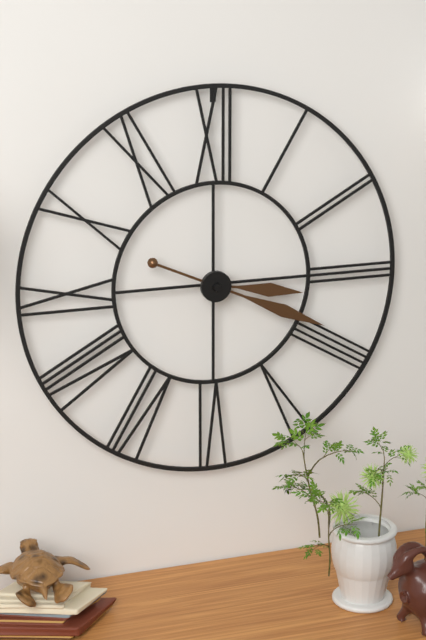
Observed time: 3:19
